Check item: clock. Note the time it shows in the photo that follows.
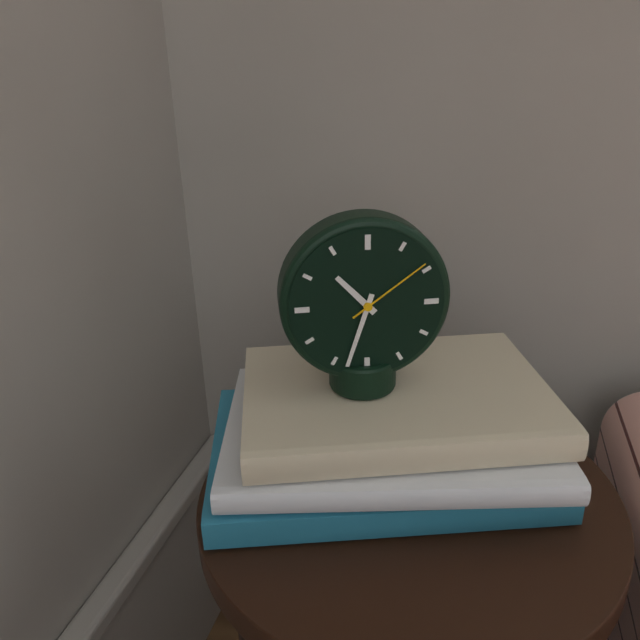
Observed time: 10:33:09
